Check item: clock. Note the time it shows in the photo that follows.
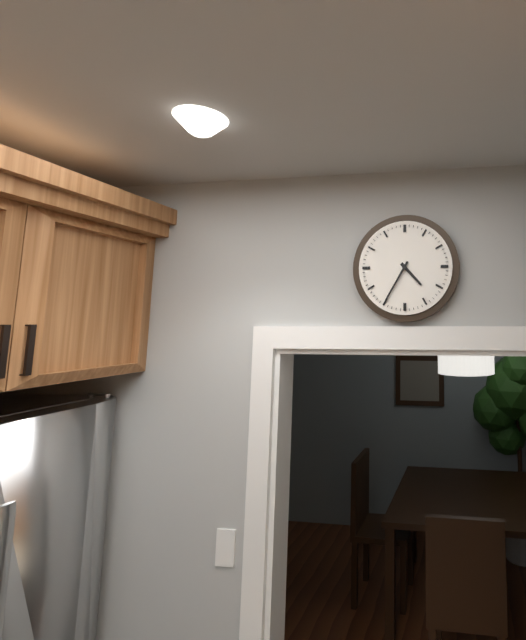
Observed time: 4:35
